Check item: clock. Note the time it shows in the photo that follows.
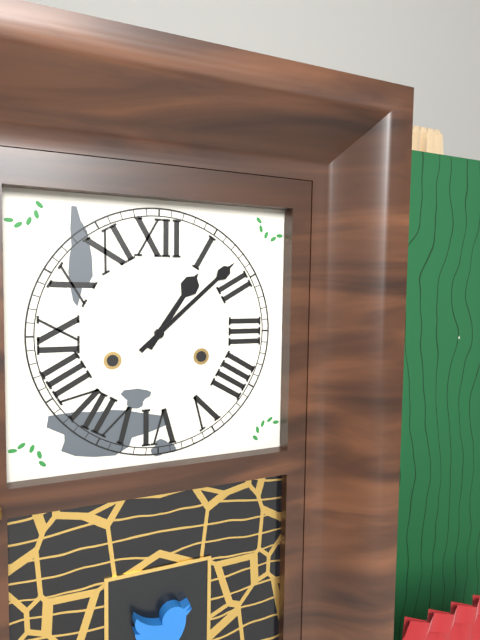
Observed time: 1:08
